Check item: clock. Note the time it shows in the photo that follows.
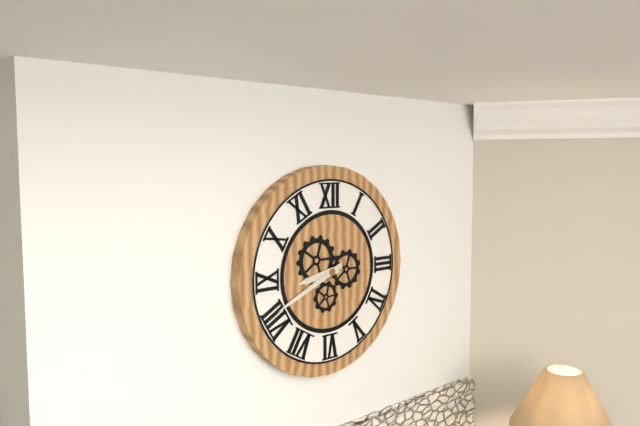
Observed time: 8:41
